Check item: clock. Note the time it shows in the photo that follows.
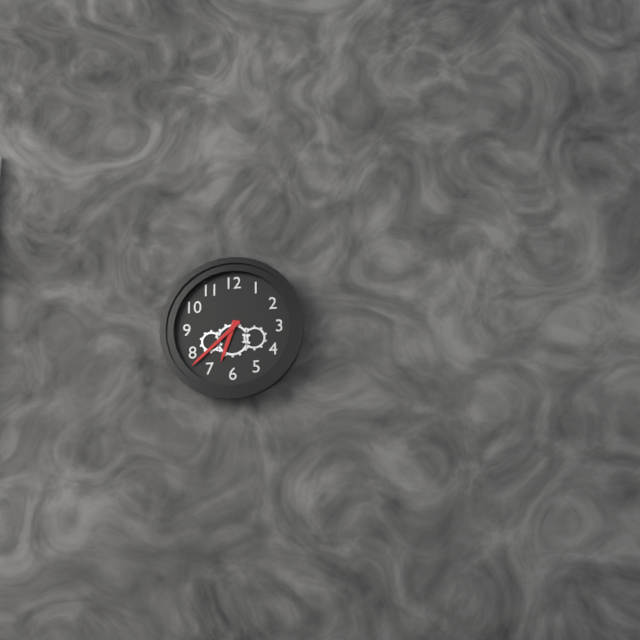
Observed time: 6:38
